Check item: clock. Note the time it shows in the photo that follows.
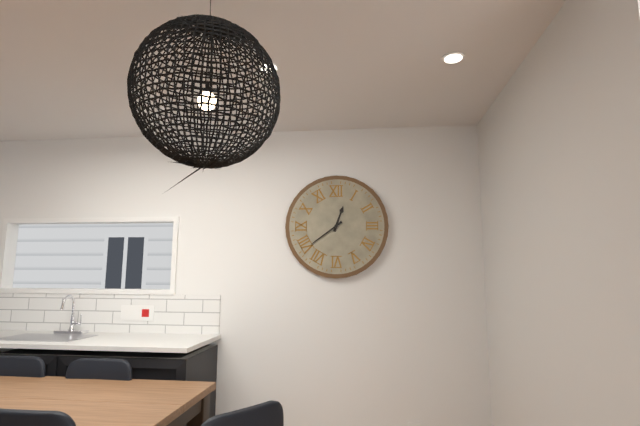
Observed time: 12:39
